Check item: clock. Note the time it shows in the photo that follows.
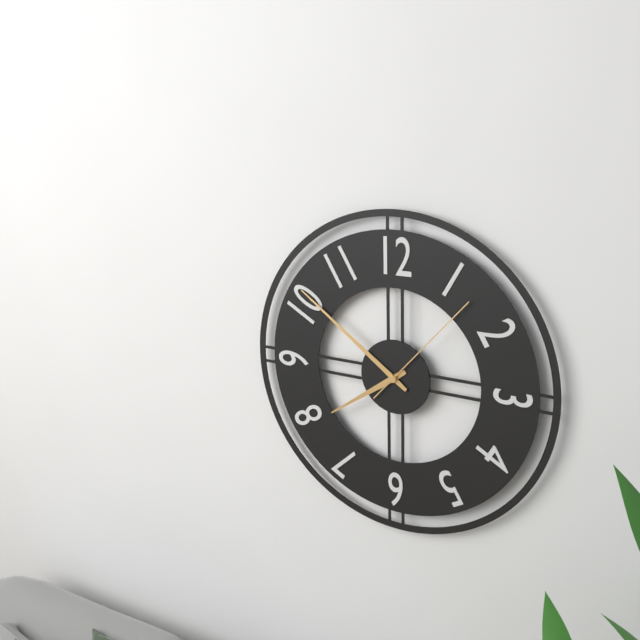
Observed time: 7:51:07
